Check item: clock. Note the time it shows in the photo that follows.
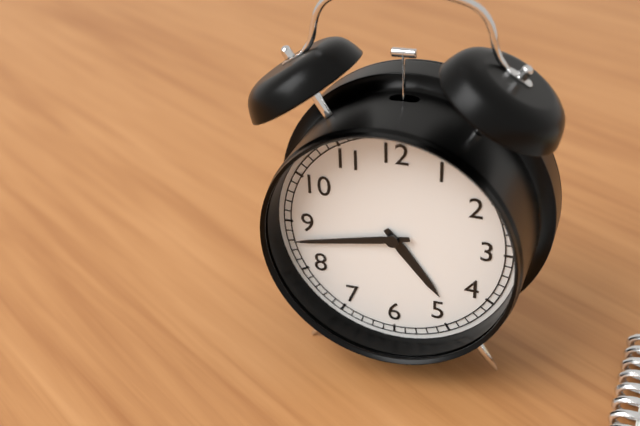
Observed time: 4:43
